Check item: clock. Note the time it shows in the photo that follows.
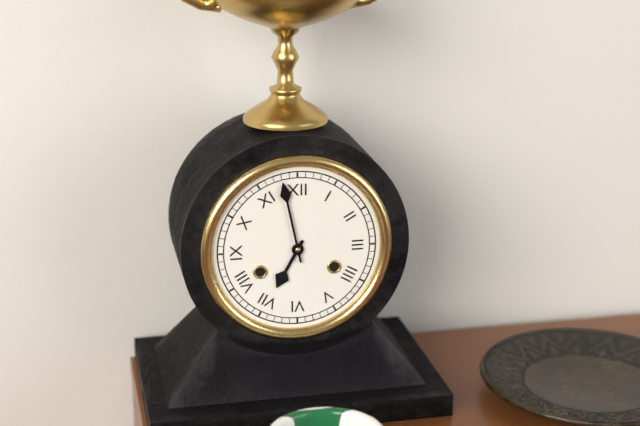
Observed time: 6:58
